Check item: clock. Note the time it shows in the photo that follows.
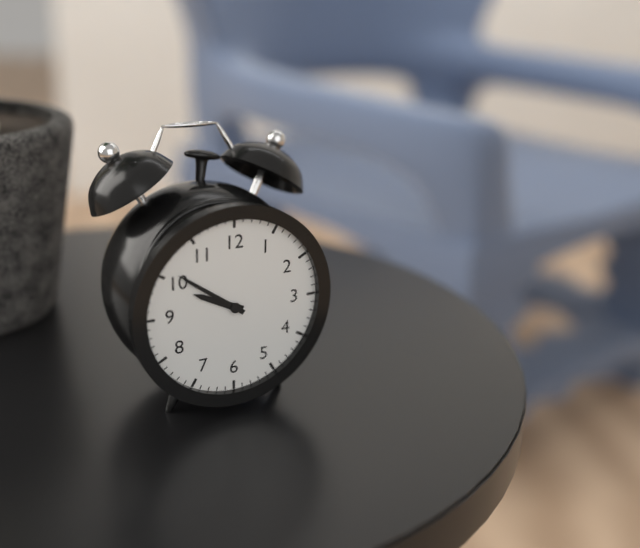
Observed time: 9:51
